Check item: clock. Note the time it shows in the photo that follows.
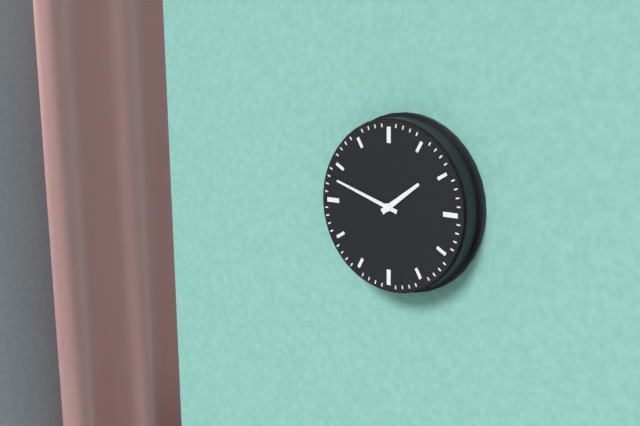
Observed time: 1:48
